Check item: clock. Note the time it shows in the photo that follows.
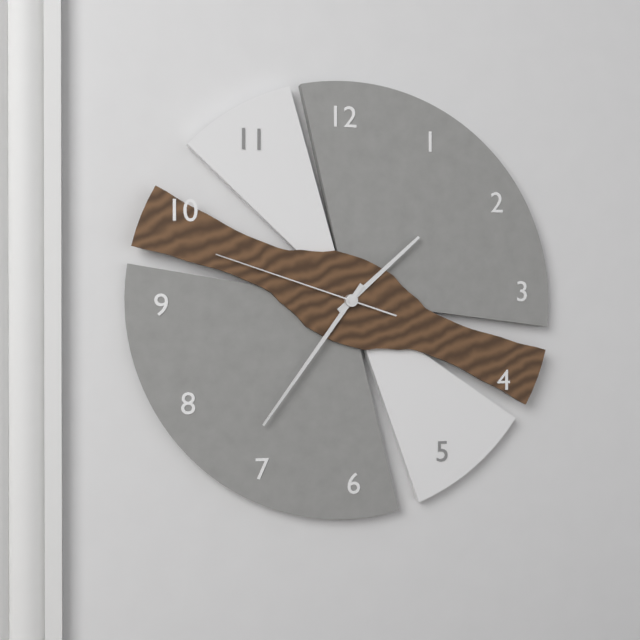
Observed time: 1:36:48
